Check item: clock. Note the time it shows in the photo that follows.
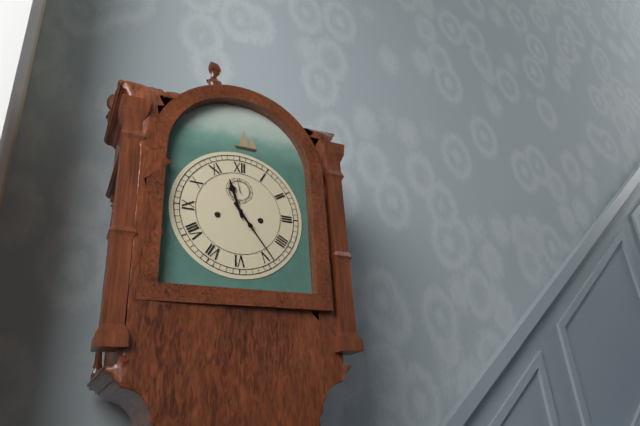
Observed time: 11:24
